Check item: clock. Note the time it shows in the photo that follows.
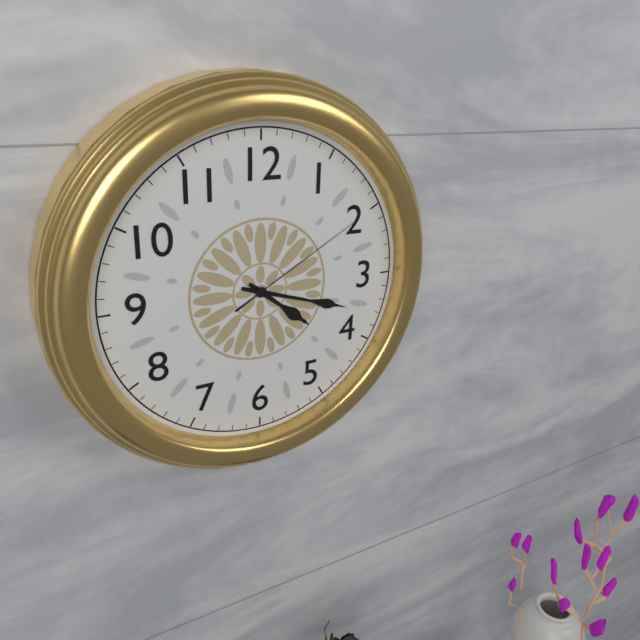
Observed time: 4:18:10
